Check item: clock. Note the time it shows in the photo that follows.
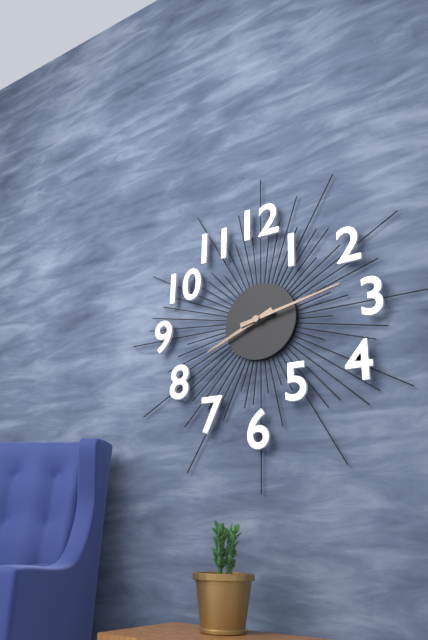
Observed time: 8:13
